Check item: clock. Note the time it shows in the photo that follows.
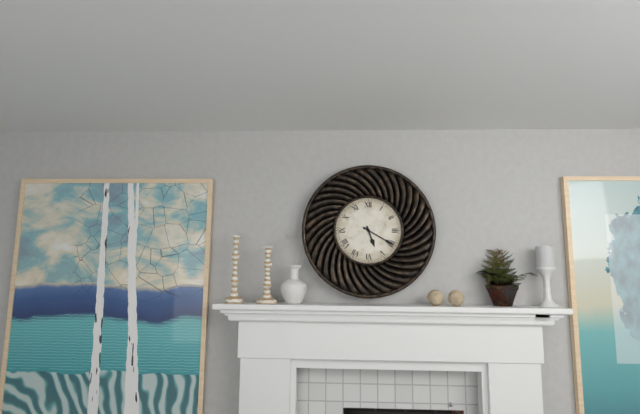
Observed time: 5:20
